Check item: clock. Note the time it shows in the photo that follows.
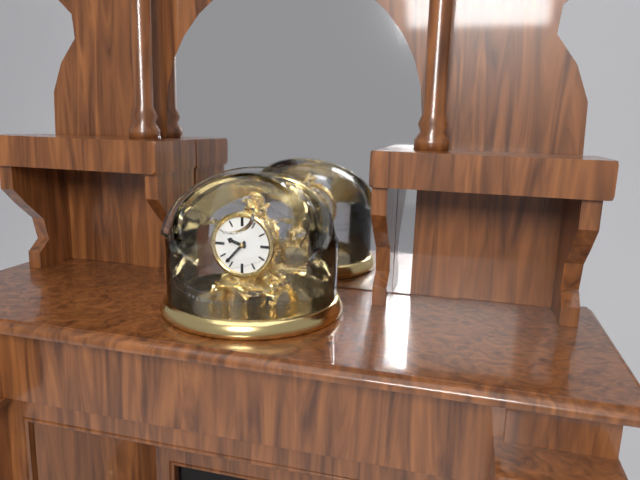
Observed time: 9:37
